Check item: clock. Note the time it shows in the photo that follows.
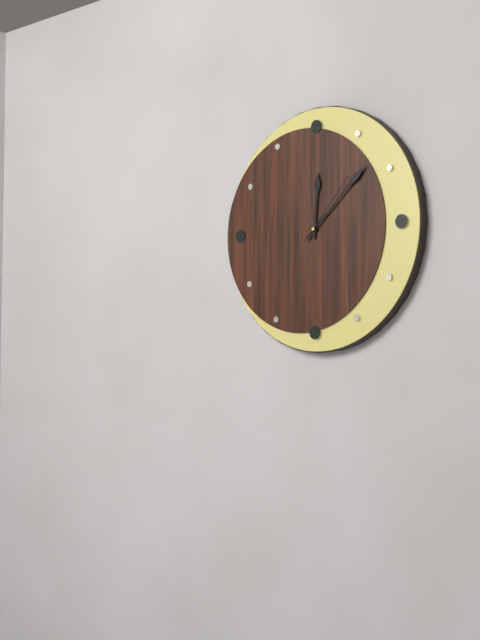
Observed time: 12:08:07
